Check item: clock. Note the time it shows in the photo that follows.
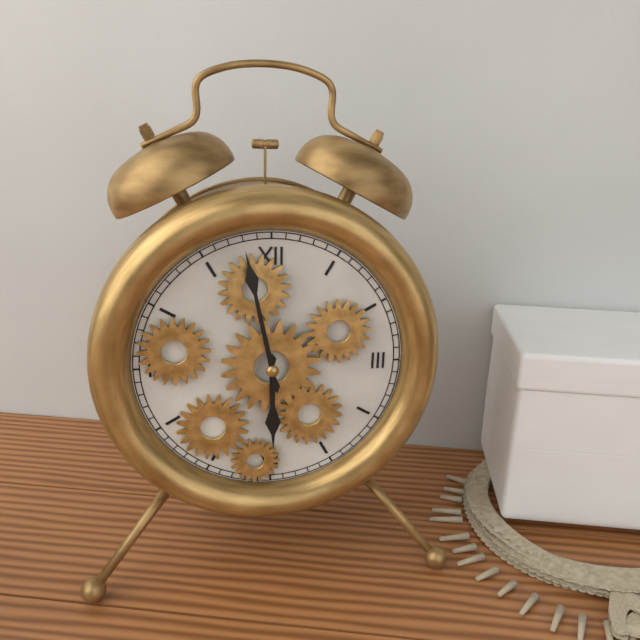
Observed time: 5:58
